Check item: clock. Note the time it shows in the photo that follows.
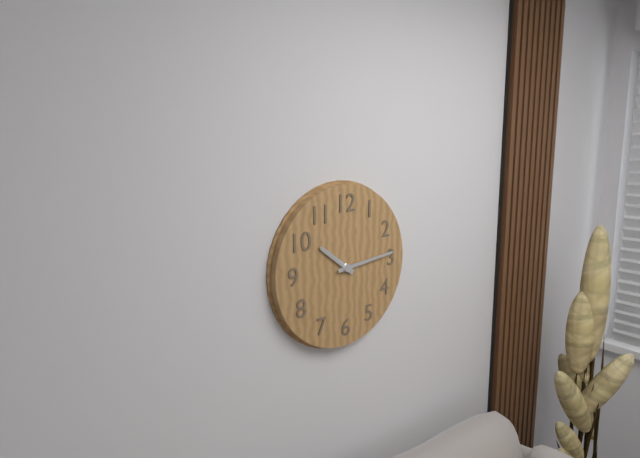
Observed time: 10:14
